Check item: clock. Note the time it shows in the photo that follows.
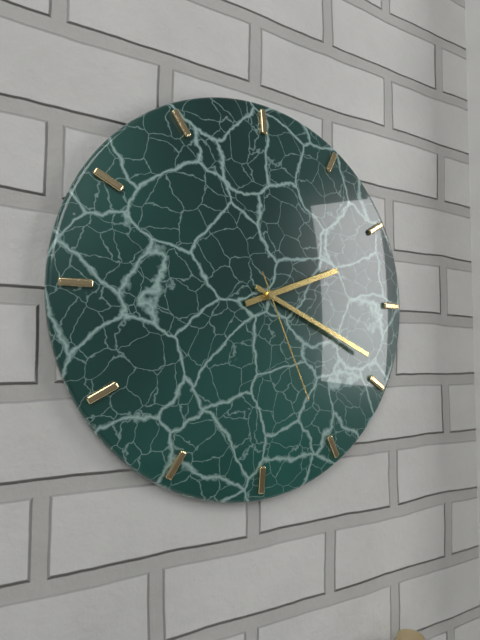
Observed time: 2:19:26
